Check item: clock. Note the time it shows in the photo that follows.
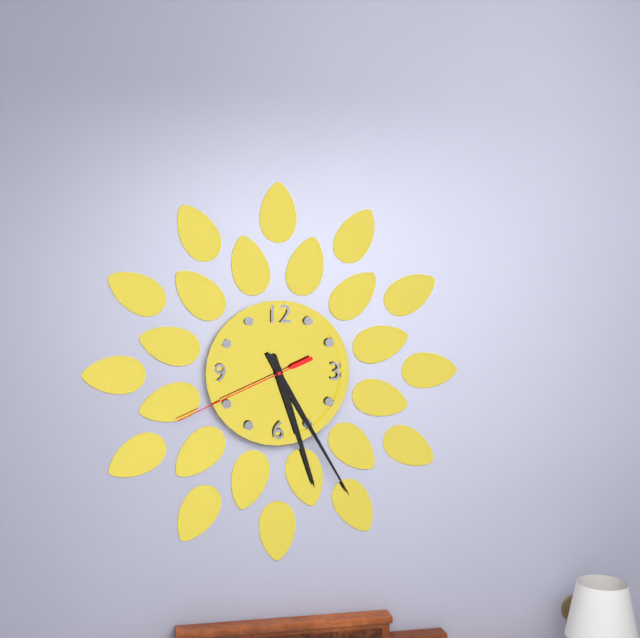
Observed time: 5:25:41
